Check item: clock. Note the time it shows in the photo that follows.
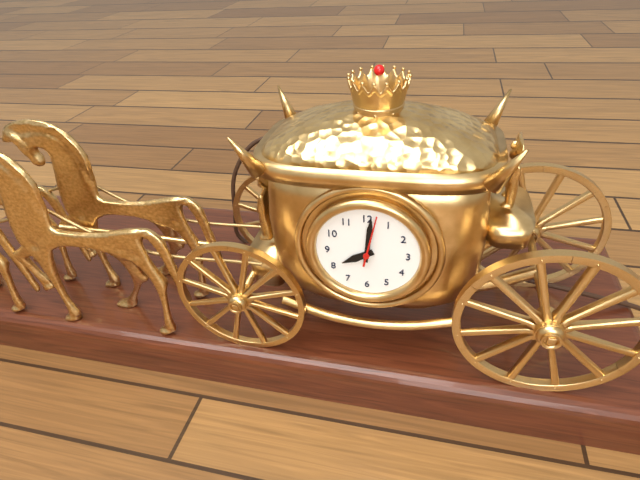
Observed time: 8:01:02
